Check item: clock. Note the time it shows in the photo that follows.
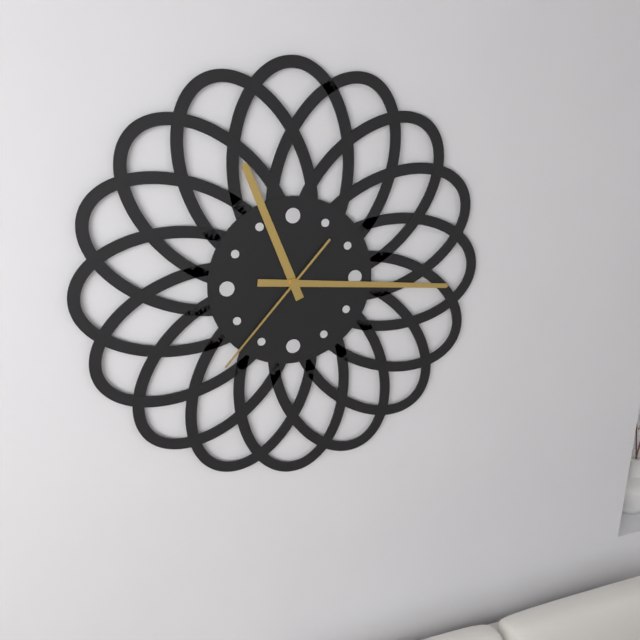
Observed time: 11:16:37
